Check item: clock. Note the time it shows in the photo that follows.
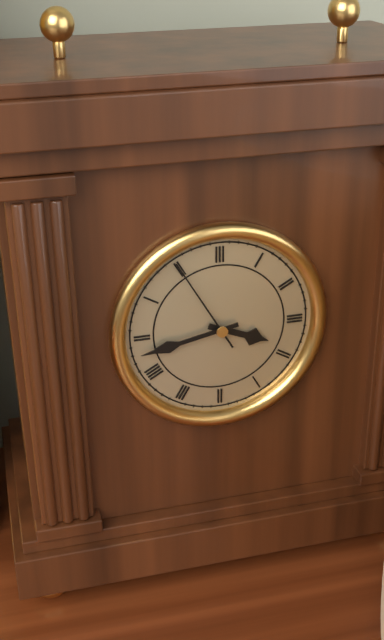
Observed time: 3:43:55
